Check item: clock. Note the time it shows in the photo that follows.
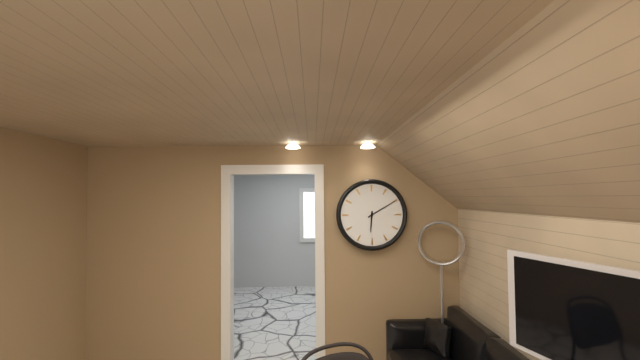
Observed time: 6:10
